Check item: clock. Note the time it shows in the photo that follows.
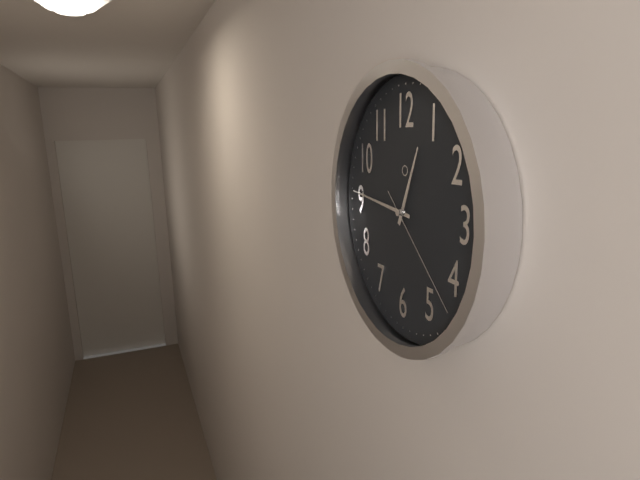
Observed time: 12:46:22
